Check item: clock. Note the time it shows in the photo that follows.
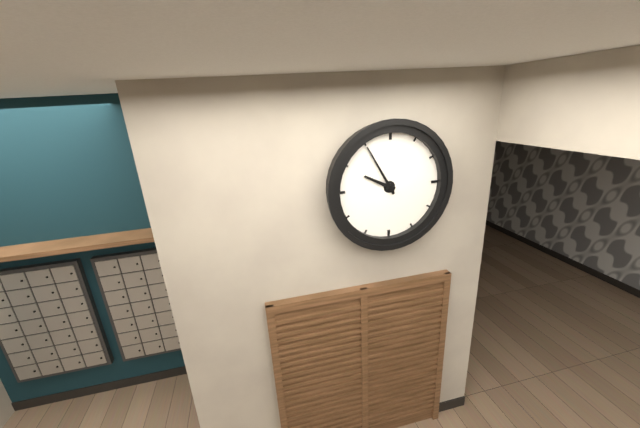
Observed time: 9:55
